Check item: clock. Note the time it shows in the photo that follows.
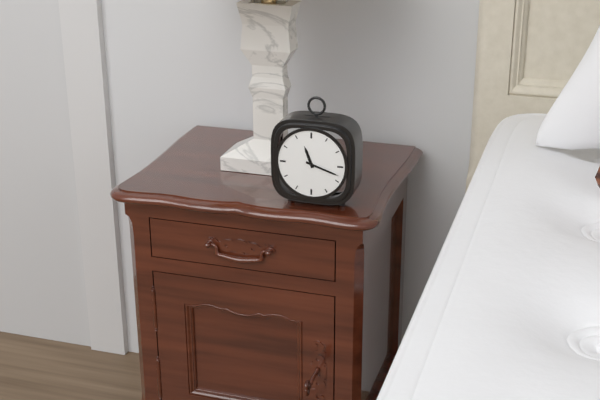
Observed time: 11:18
